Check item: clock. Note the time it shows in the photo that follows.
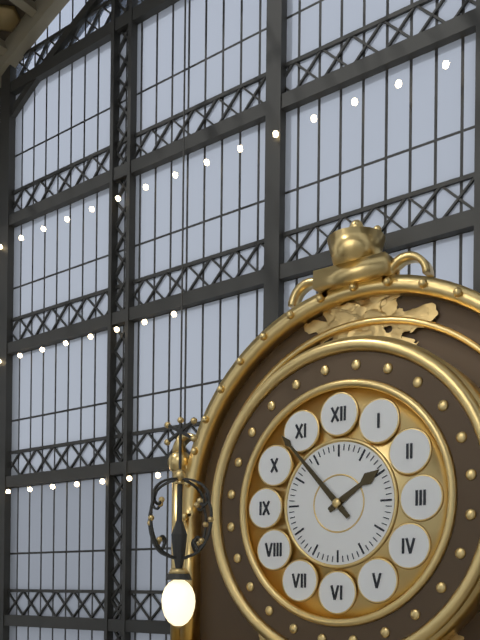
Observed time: 1:53
